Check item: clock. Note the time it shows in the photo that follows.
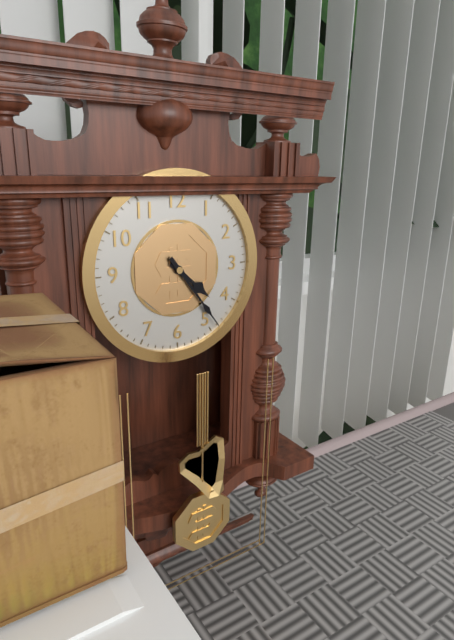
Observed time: 4:24
